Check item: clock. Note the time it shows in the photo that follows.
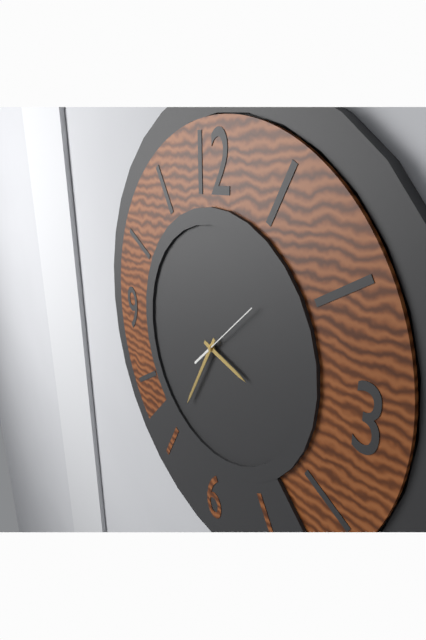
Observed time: 3:35:08
